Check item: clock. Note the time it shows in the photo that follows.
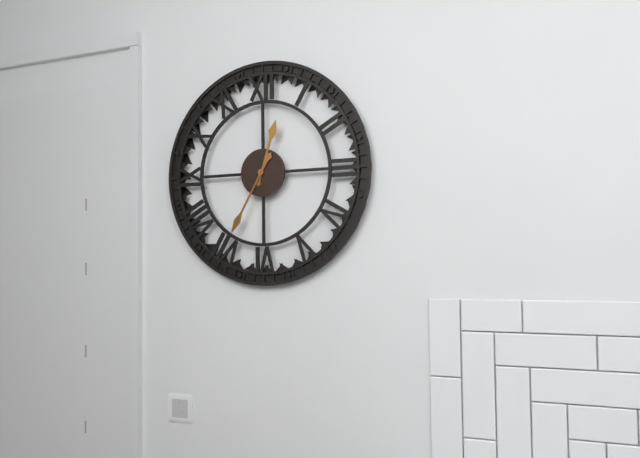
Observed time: 12:35
